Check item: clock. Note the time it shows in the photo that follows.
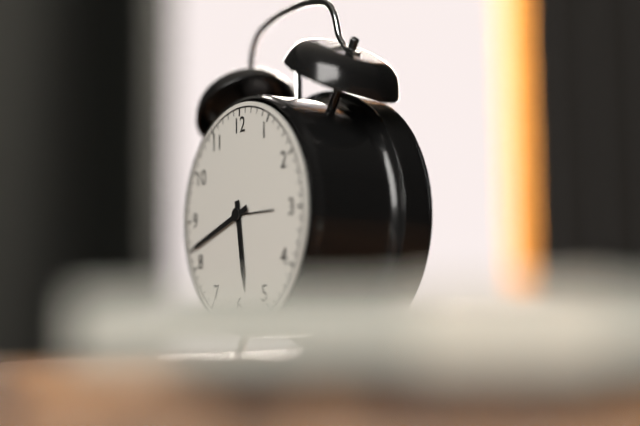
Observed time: 5:42
